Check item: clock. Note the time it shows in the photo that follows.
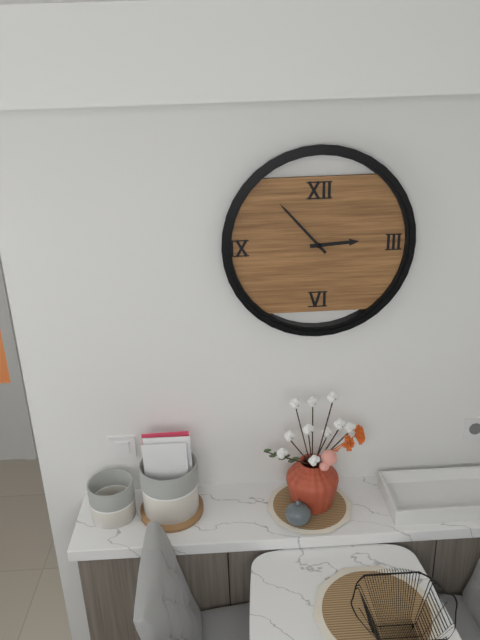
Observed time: 2:53
